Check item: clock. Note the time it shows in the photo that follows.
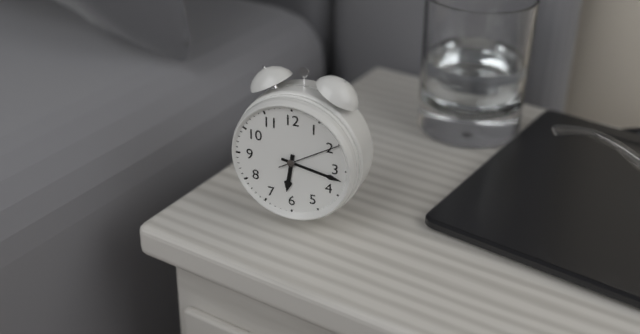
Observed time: 6:17:10
